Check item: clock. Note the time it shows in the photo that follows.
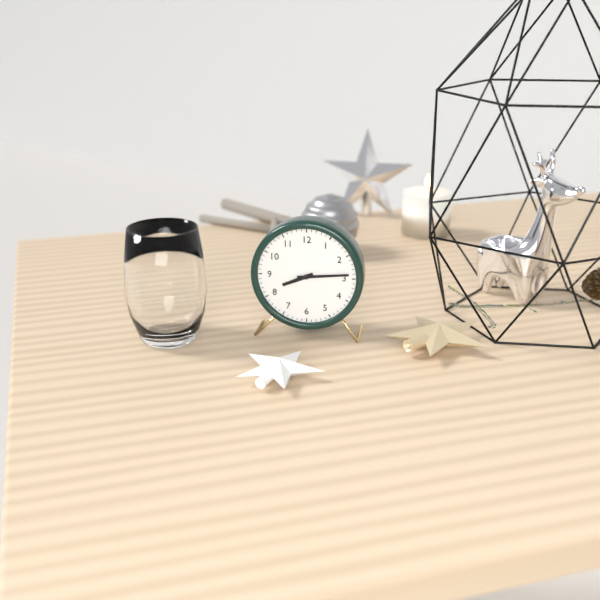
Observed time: 8:14
